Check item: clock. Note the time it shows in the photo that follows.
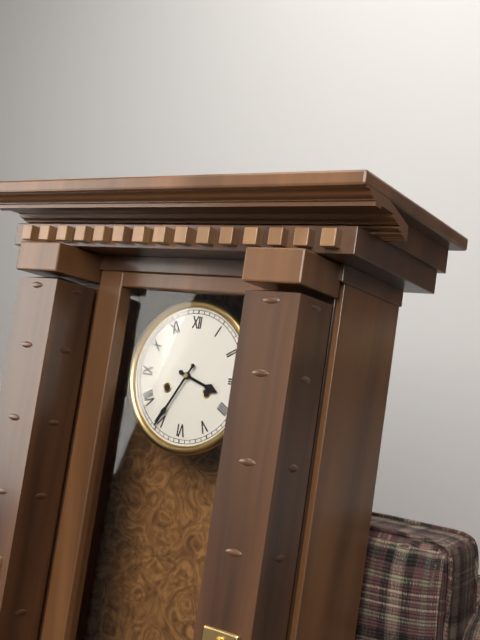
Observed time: 3:35
